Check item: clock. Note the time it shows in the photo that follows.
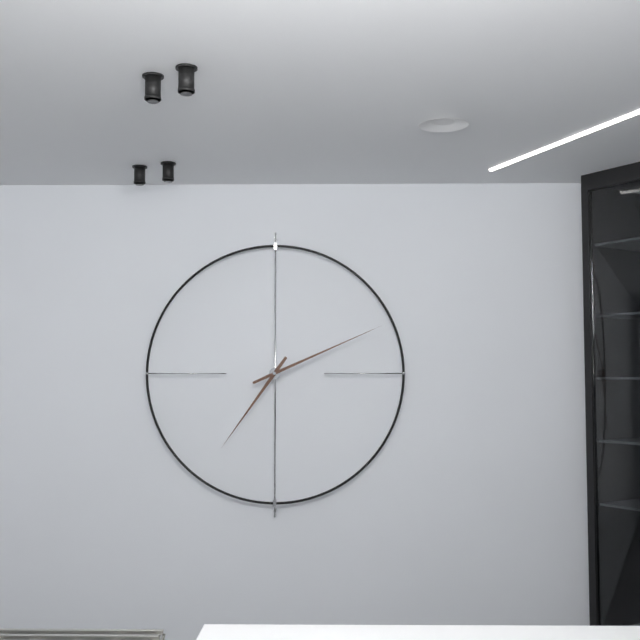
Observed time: 7:11
